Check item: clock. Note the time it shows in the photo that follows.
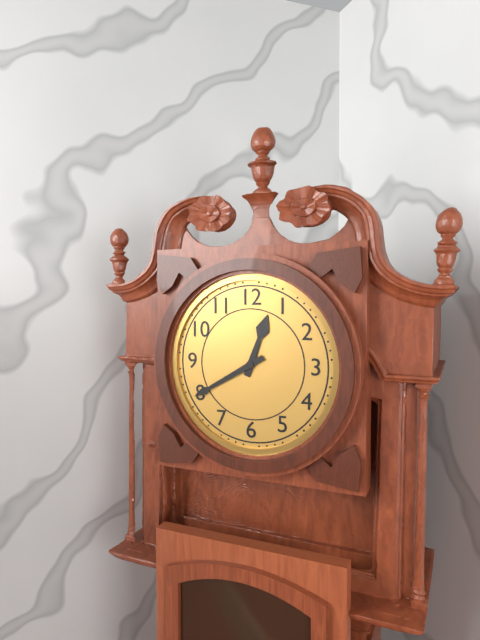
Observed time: 12:40
